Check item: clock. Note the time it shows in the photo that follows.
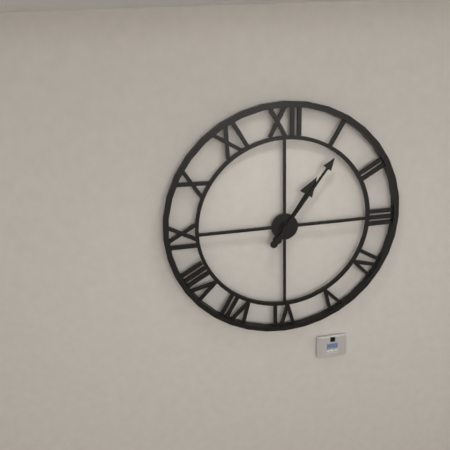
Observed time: 1:06
